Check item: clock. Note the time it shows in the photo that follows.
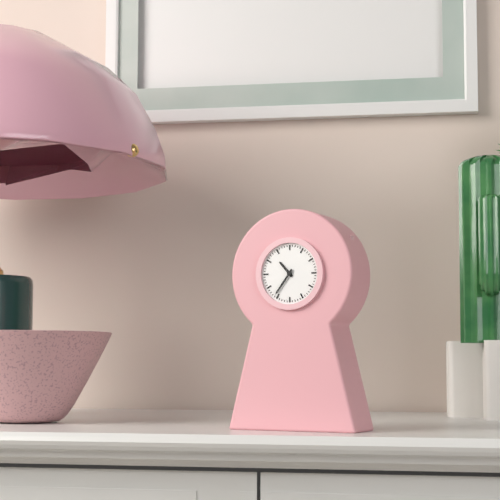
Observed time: 10:36
